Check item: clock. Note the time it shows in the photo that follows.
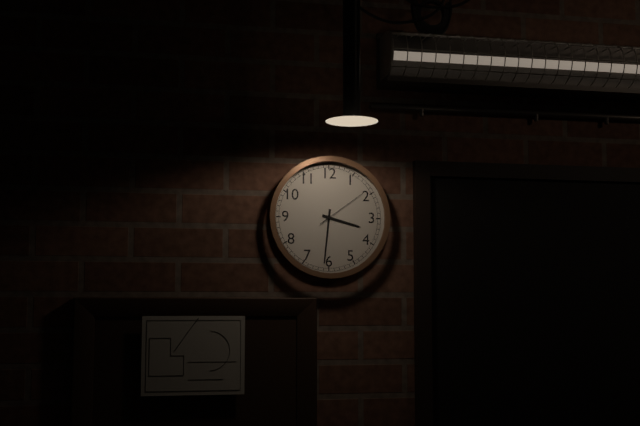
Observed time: 3:31:09
